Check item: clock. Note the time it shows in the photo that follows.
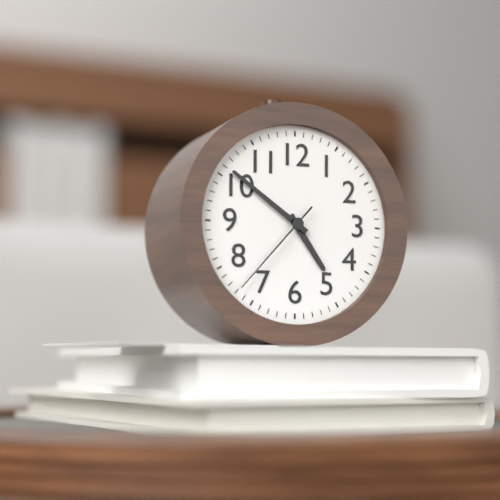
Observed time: 4:51:37
